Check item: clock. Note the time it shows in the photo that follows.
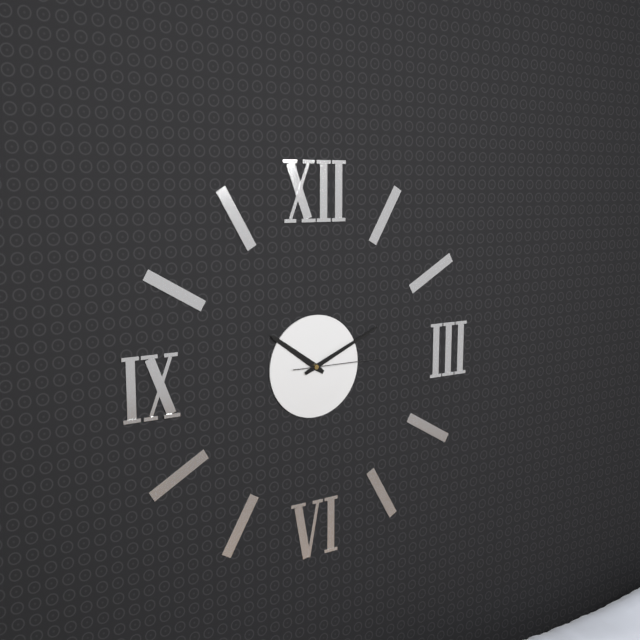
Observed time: 10:11:15
